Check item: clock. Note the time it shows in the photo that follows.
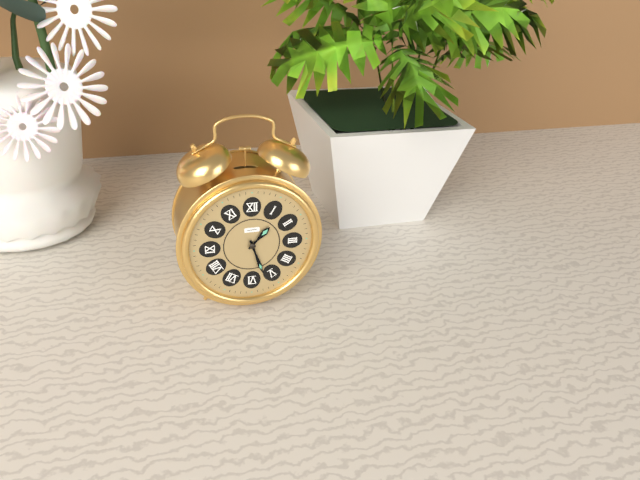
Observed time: 1:27
